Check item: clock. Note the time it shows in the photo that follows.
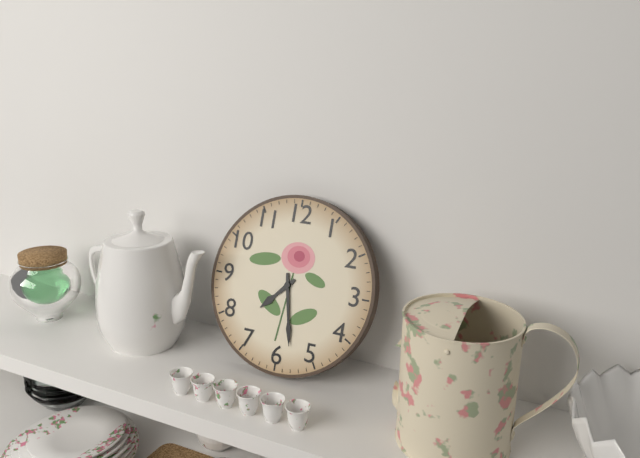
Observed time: 7:28
